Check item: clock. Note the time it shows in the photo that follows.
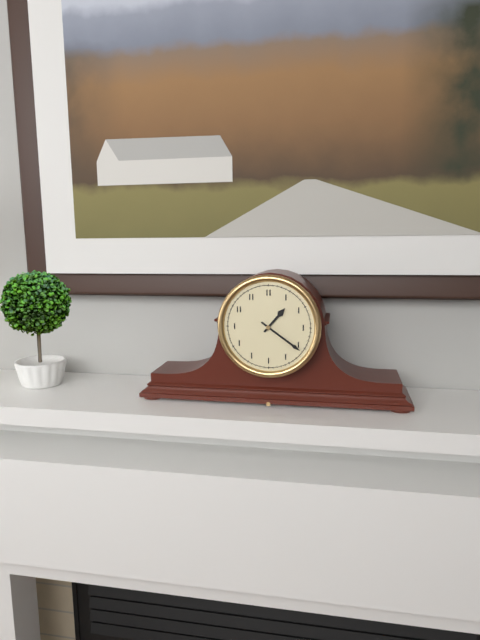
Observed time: 1:21
